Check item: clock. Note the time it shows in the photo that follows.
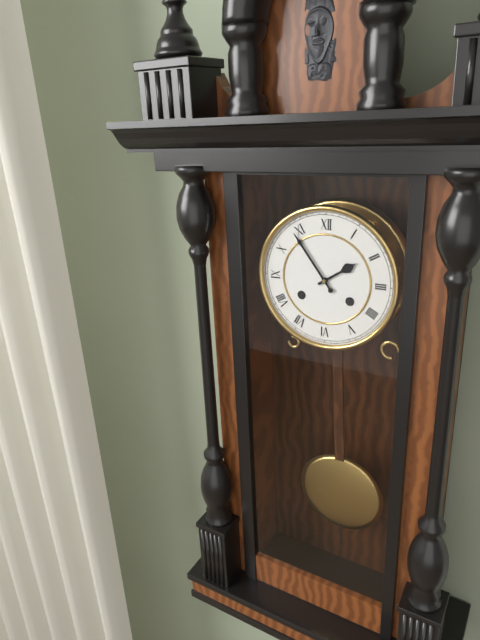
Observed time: 1:54
